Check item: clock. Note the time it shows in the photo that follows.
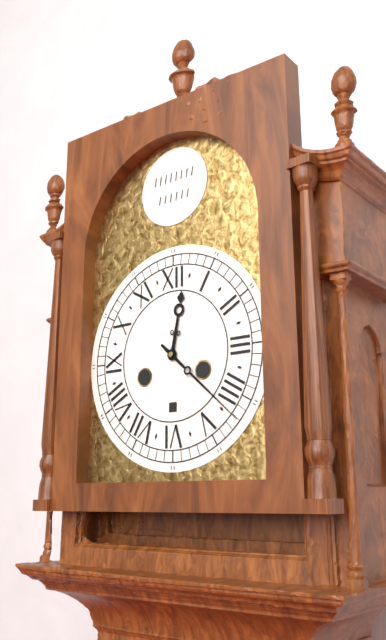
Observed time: 12:22
